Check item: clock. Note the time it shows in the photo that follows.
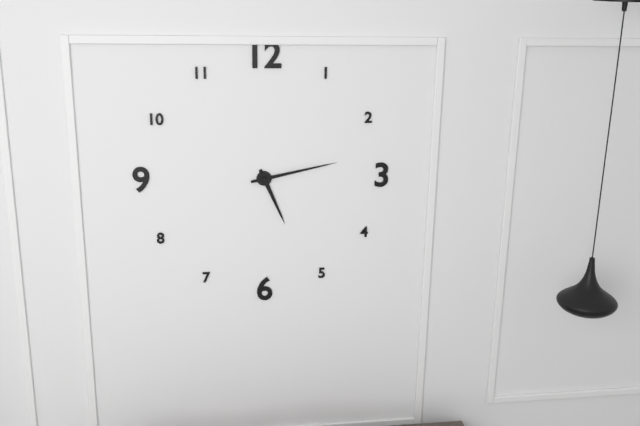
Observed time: 5:13
